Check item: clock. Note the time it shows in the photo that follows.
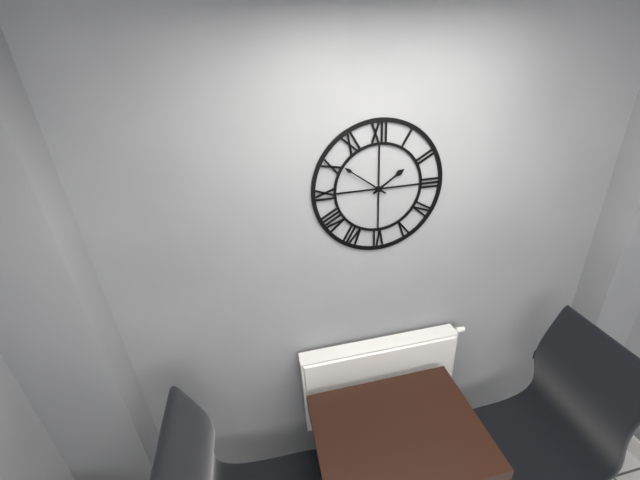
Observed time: 1:51
